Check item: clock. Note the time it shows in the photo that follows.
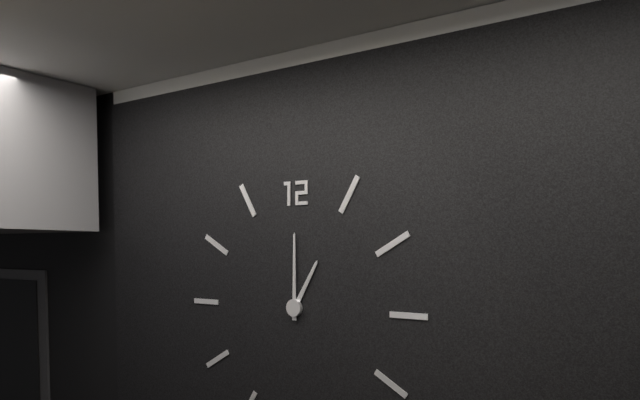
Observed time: 1:00
